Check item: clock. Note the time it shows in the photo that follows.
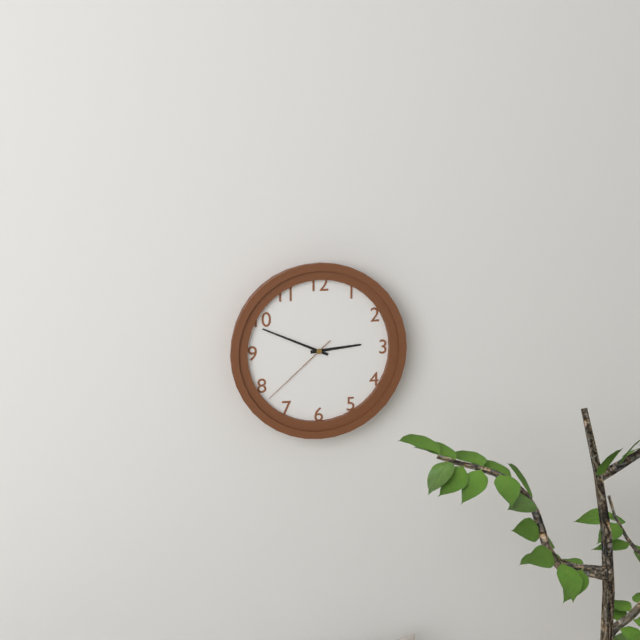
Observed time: 2:49:38
